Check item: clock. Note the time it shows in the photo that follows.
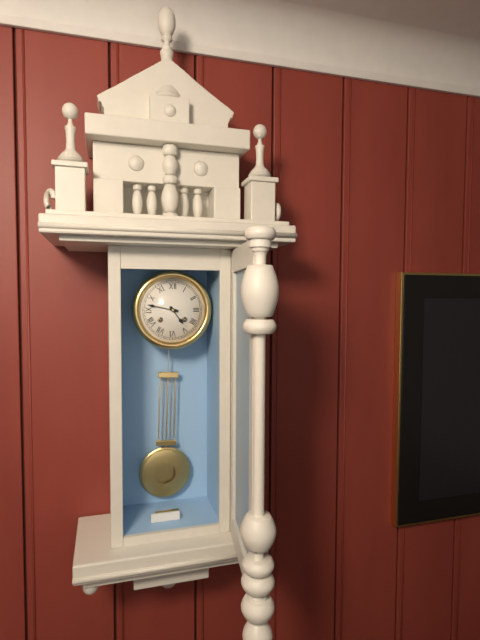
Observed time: 4:47
